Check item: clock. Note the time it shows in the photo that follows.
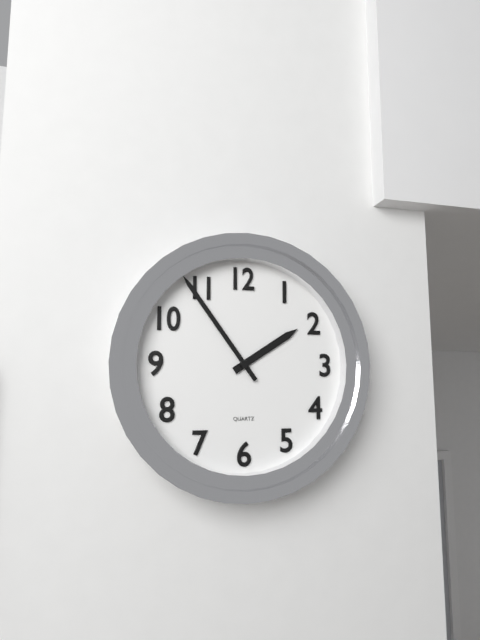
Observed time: 1:54
